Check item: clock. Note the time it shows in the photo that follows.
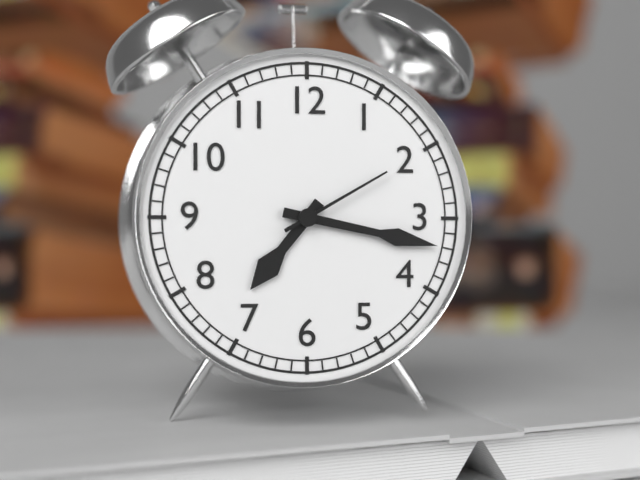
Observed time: 7:17:10
